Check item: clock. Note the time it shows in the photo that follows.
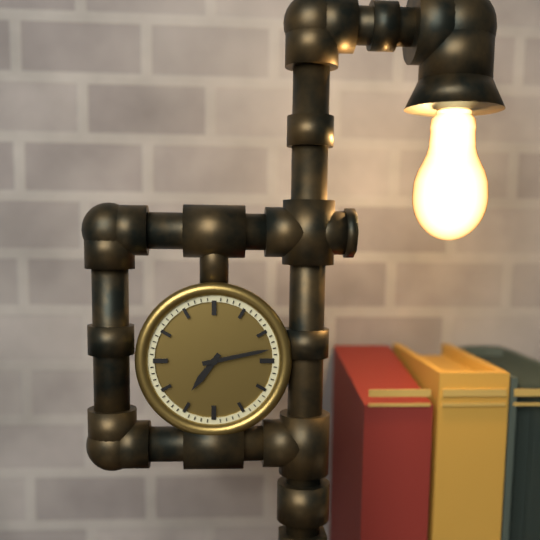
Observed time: 7:13
